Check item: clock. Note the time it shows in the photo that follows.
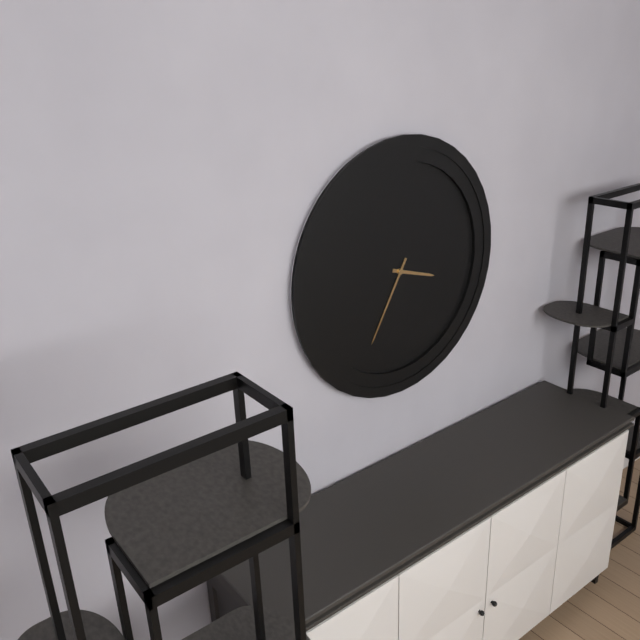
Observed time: 3:35
